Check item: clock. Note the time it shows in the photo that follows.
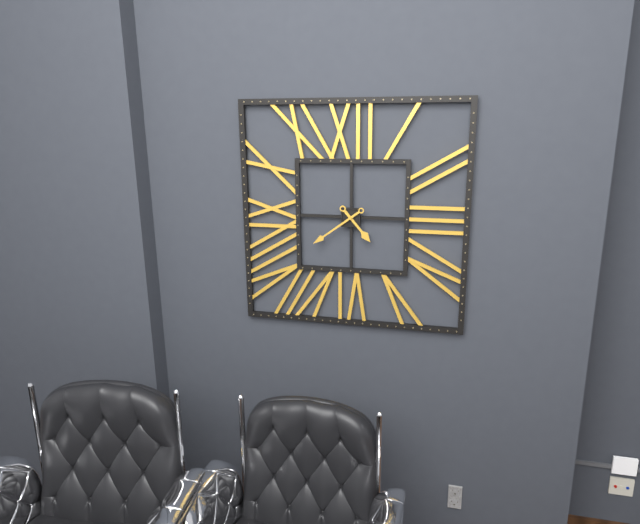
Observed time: 4:39
